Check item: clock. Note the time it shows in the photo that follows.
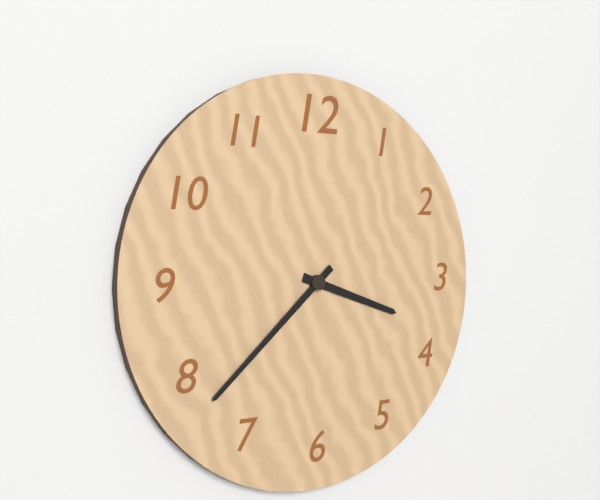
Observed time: 3:38
